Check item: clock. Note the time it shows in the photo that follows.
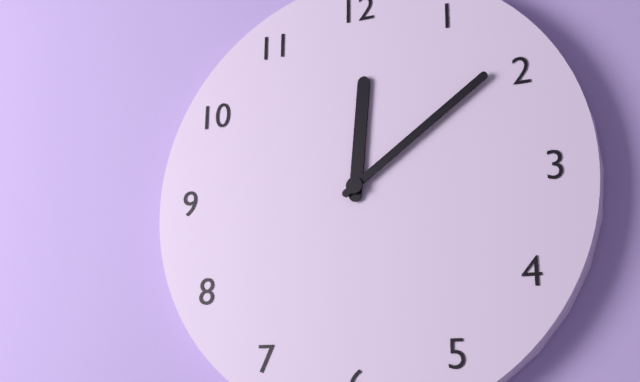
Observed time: 12:09
